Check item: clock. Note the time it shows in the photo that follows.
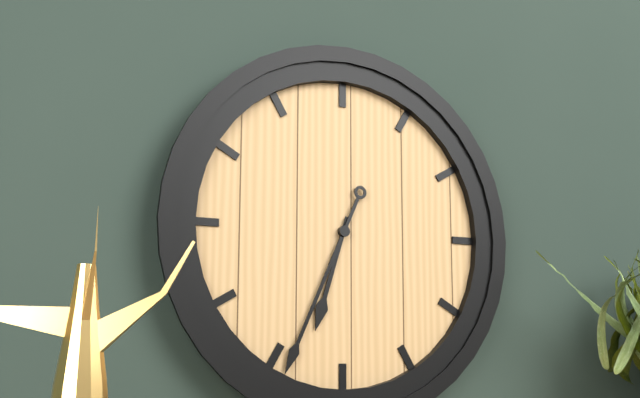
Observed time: 6:34
